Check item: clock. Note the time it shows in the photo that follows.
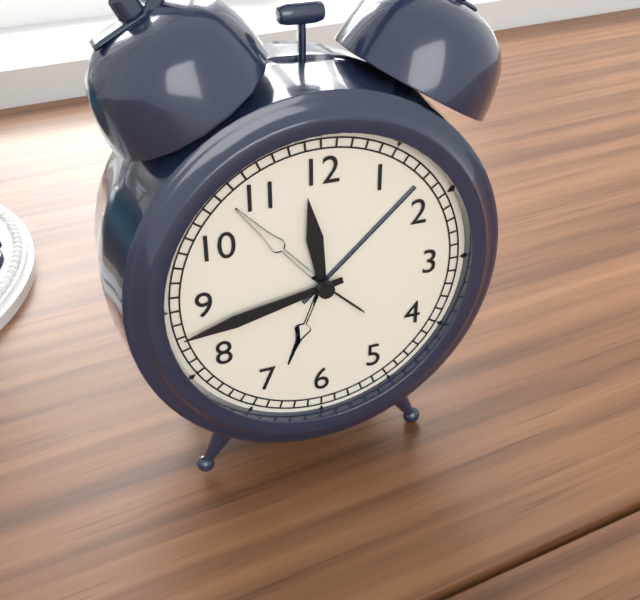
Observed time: 11:43
